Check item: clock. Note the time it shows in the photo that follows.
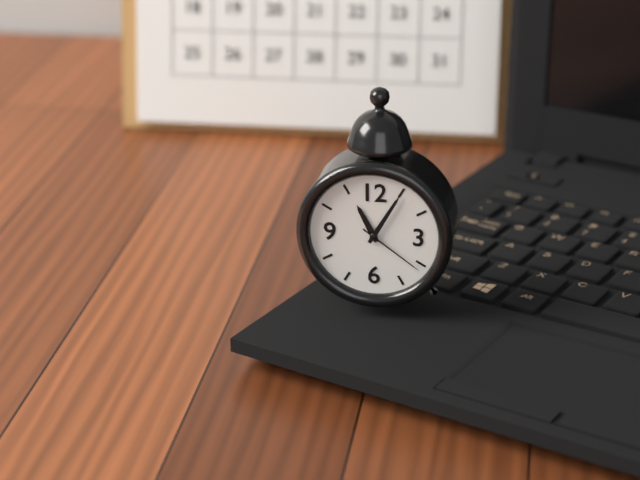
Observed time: 11:05:21
